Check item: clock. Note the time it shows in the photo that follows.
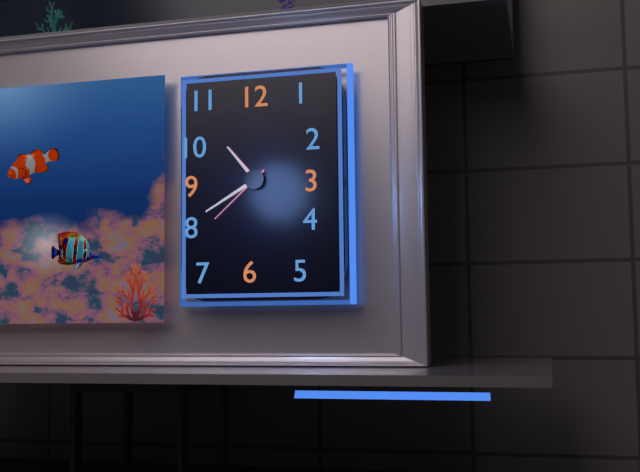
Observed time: 10:40:38
